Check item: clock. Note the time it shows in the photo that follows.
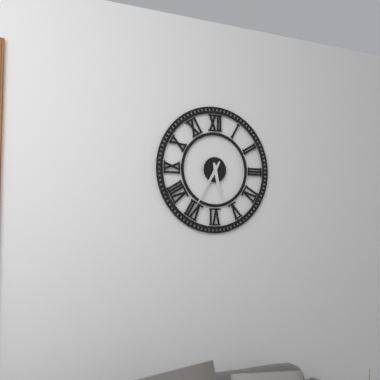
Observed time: 5:35
